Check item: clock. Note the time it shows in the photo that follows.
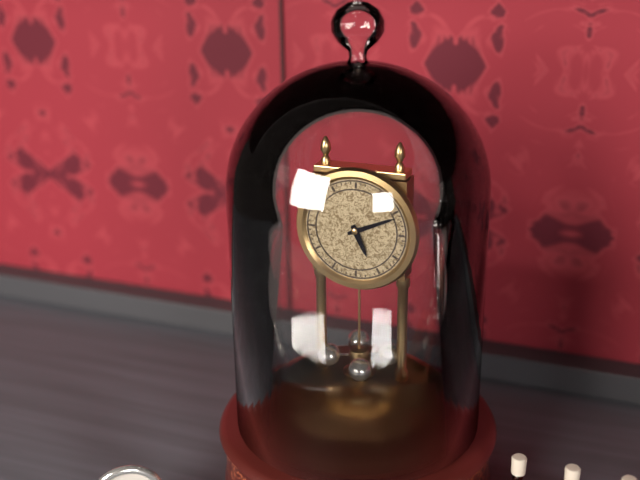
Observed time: 5:11
